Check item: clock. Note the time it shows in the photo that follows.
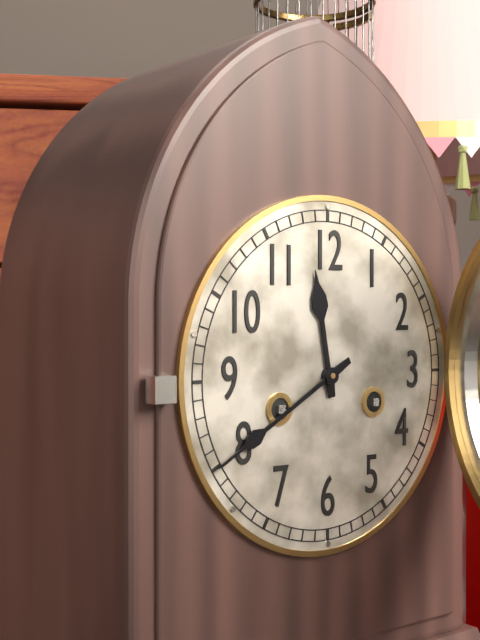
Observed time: 11:40
